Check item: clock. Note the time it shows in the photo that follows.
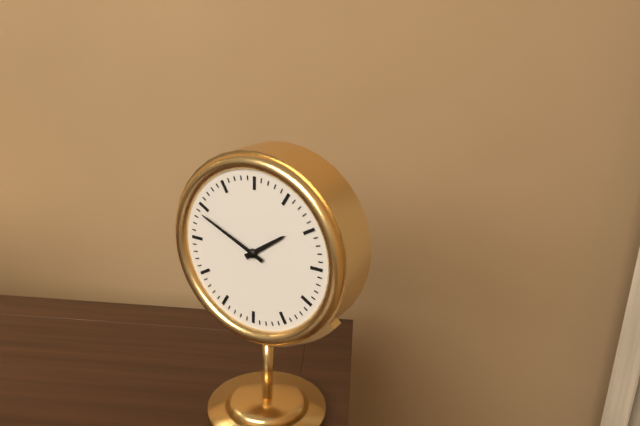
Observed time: 1:49
